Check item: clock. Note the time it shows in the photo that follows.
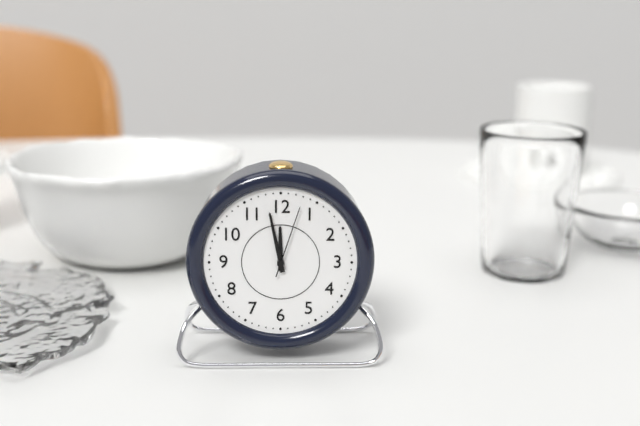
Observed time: 11:58:03
